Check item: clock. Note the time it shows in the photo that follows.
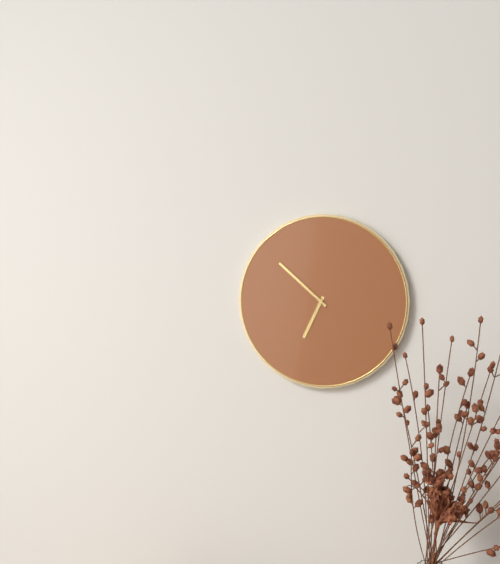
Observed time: 6:52
